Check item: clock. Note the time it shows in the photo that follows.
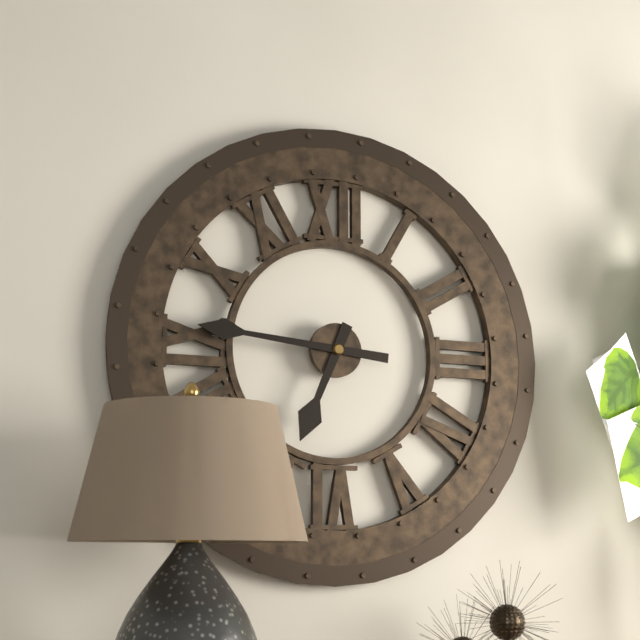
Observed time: 6:46
